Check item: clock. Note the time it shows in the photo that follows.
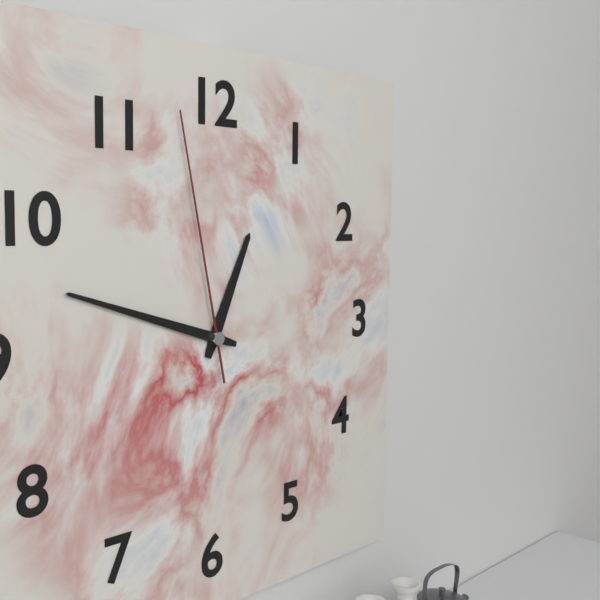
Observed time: 12:48:58
